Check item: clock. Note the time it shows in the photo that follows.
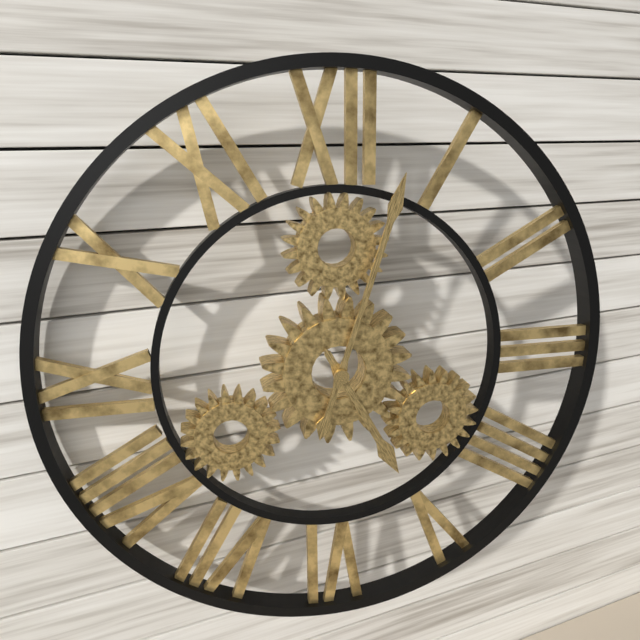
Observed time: 5:03
